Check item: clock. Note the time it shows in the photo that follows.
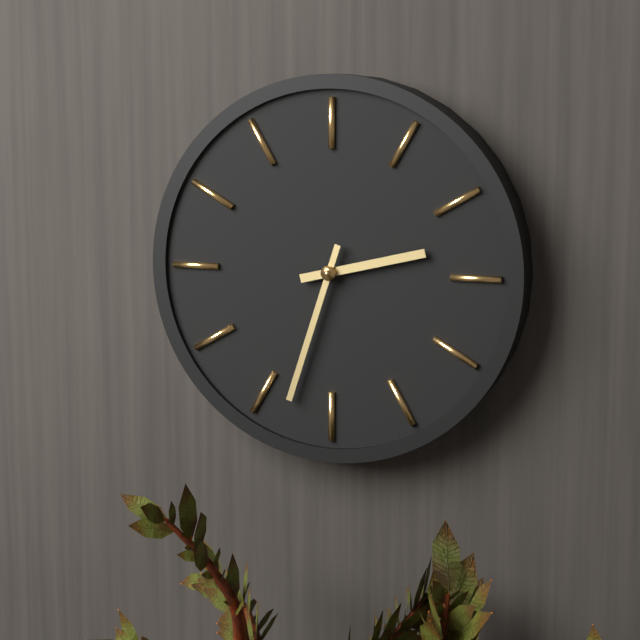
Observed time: 2:33
